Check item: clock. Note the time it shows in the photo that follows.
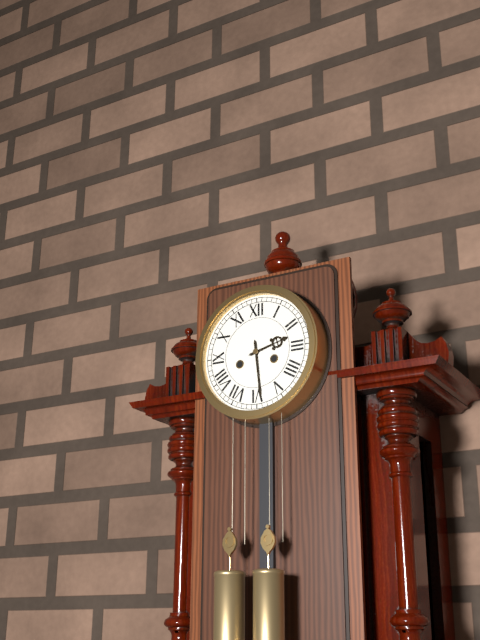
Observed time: 2:29
